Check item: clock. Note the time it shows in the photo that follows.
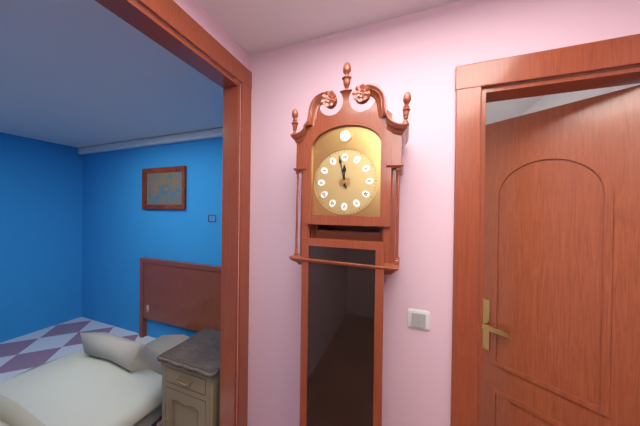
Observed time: 11:58
